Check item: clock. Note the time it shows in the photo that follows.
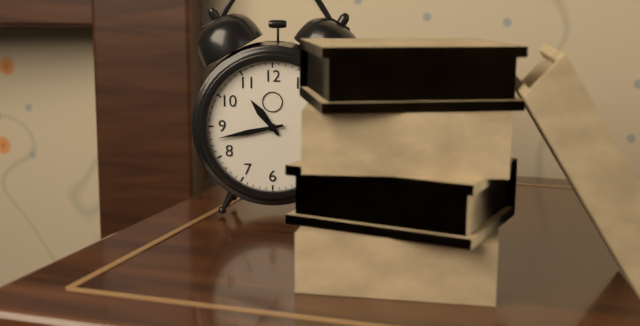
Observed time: 10:43
